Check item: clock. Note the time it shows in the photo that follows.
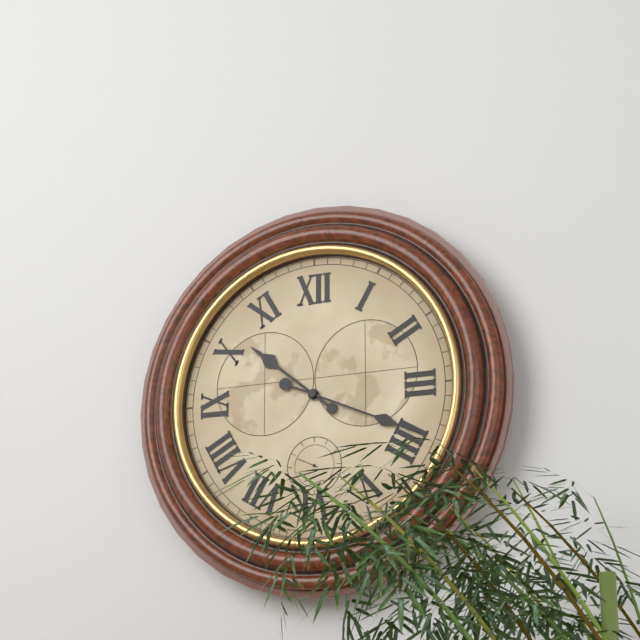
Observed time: 10:19
